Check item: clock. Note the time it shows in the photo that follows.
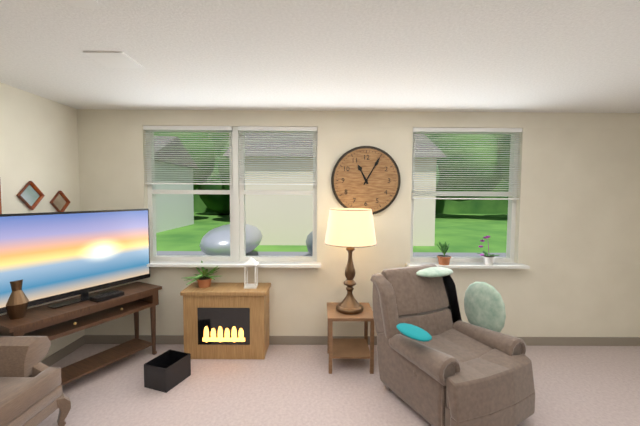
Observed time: 11:05
